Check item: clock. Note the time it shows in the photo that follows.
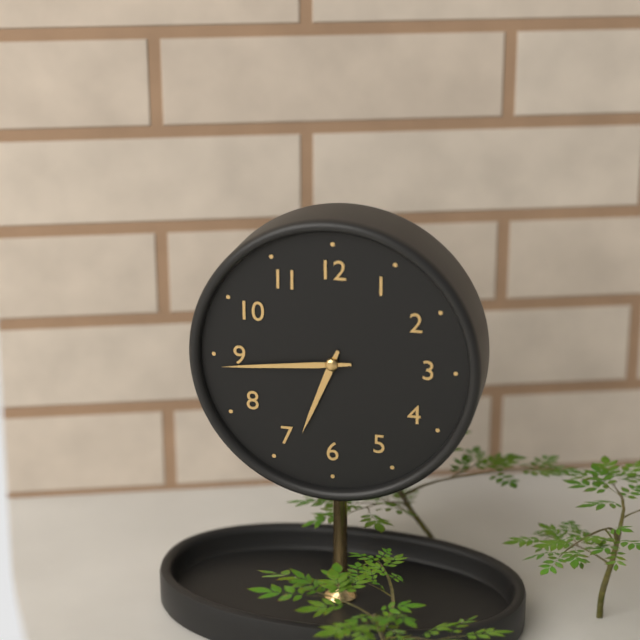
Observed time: 6:44
